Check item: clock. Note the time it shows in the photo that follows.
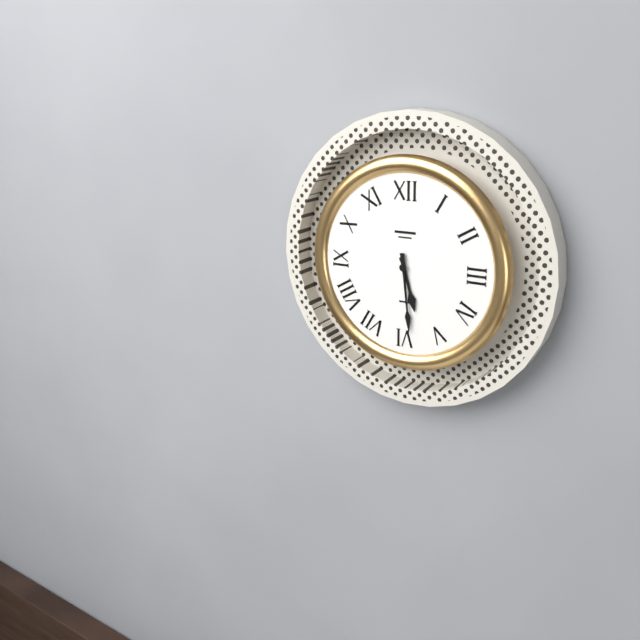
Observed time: 5:29
